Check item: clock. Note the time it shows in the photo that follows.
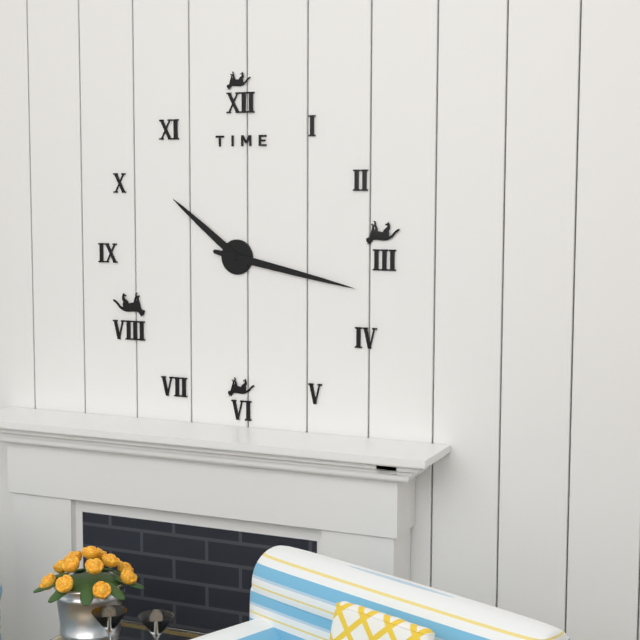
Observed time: 10:17
